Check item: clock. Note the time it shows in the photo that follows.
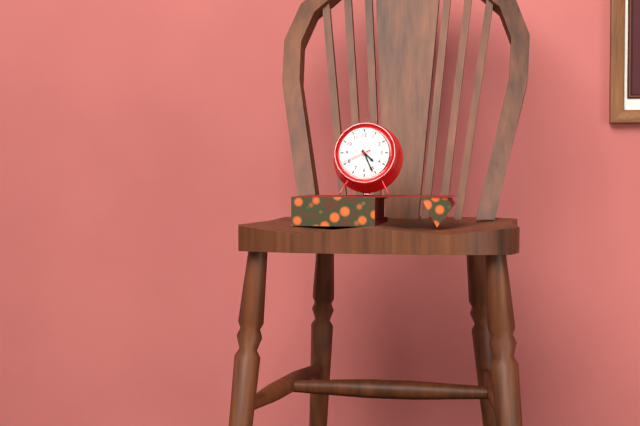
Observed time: 4:26
